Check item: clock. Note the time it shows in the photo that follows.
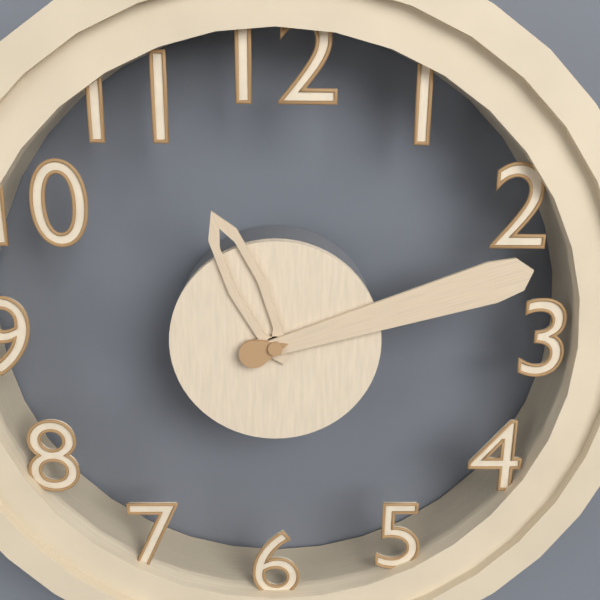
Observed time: 11:12
